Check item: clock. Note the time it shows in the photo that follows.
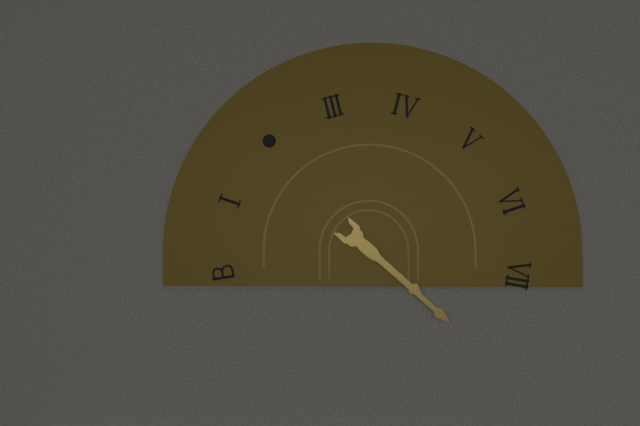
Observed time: 4:22
